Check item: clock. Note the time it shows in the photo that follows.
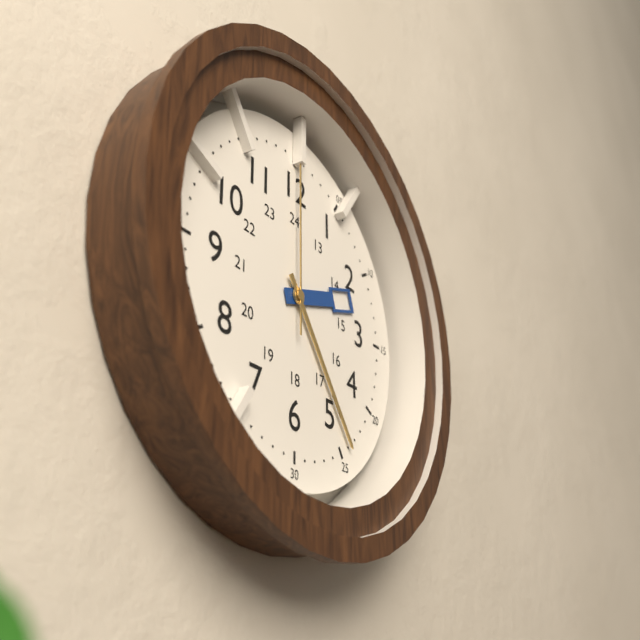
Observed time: 2:24:00
